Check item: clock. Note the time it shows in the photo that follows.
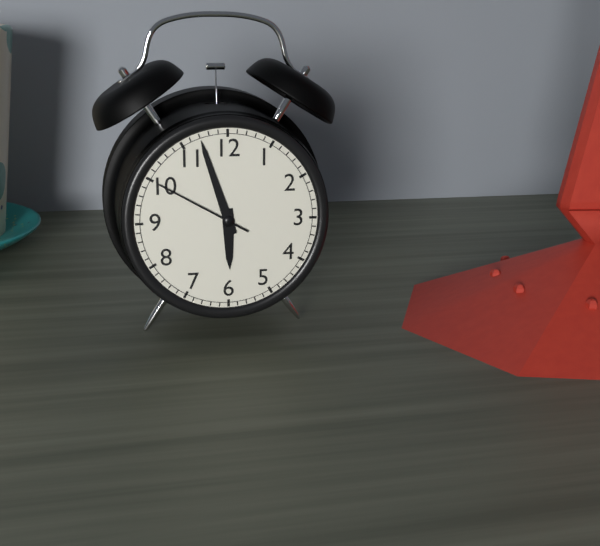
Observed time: 5:57:50
